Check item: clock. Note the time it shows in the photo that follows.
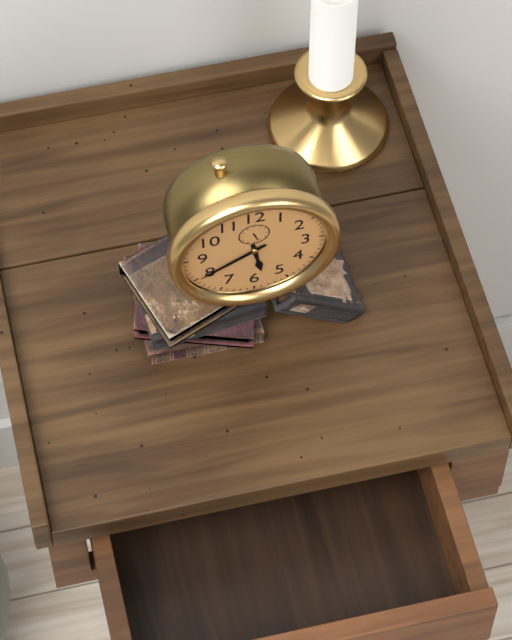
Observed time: 5:40
